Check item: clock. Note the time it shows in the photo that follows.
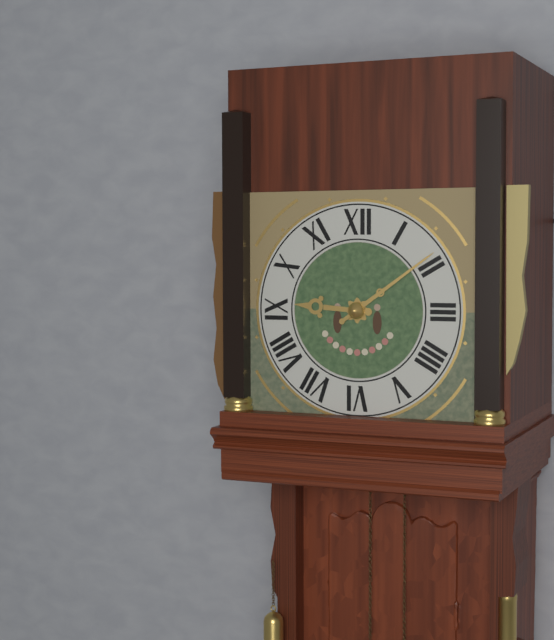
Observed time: 9:09
